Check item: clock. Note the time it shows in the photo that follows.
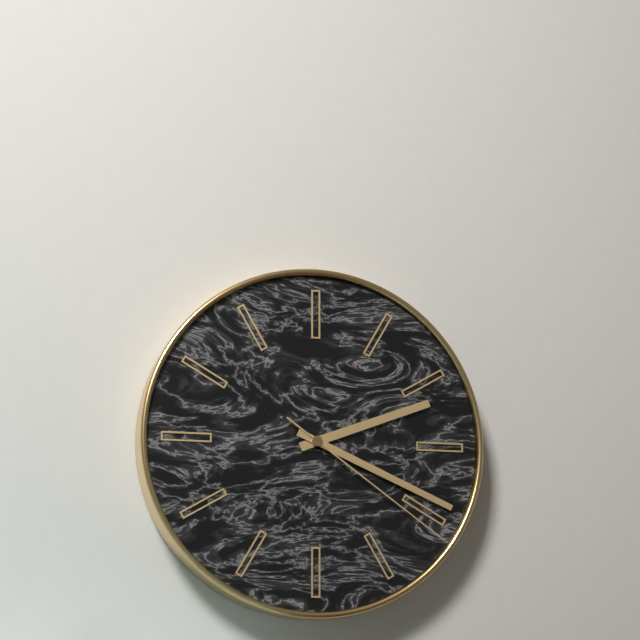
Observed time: 2:19:21
